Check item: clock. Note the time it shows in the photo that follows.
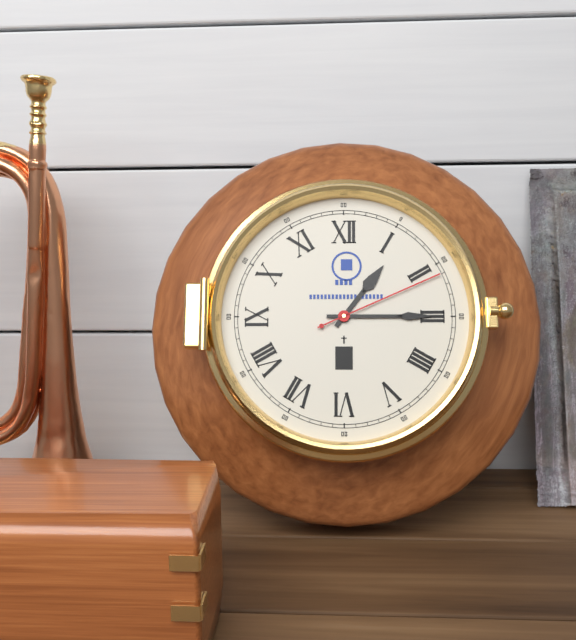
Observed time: 1:15:11
